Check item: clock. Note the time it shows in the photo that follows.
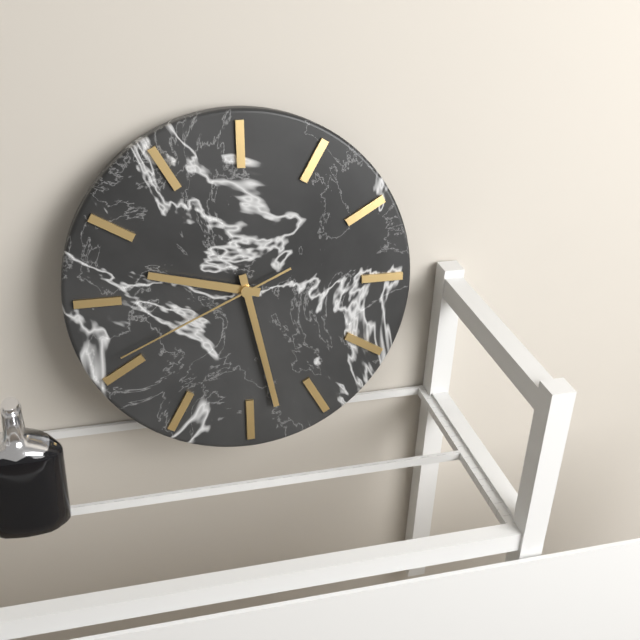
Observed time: 9:28:41
